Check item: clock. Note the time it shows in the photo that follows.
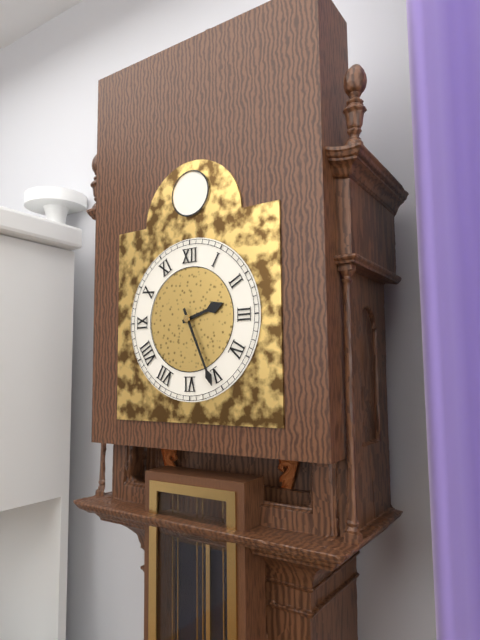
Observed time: 2:26
